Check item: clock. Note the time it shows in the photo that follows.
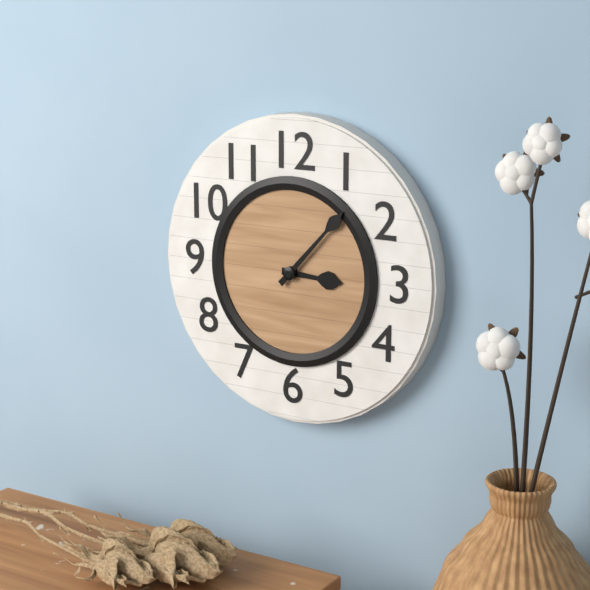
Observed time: 3:07
